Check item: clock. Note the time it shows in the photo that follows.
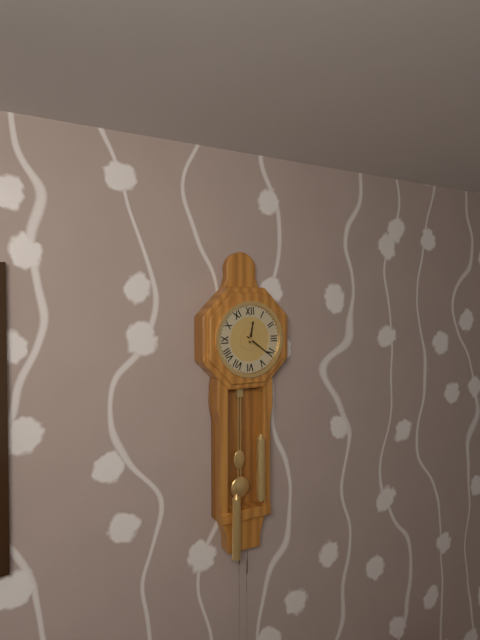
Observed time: 12:21
